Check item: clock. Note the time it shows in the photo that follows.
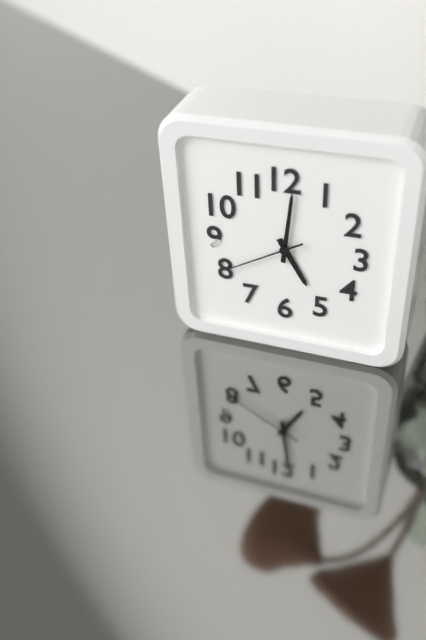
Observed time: 5:01:40
